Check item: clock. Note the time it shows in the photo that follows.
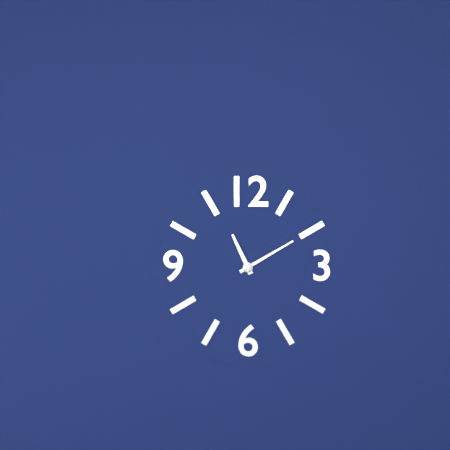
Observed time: 11:10
